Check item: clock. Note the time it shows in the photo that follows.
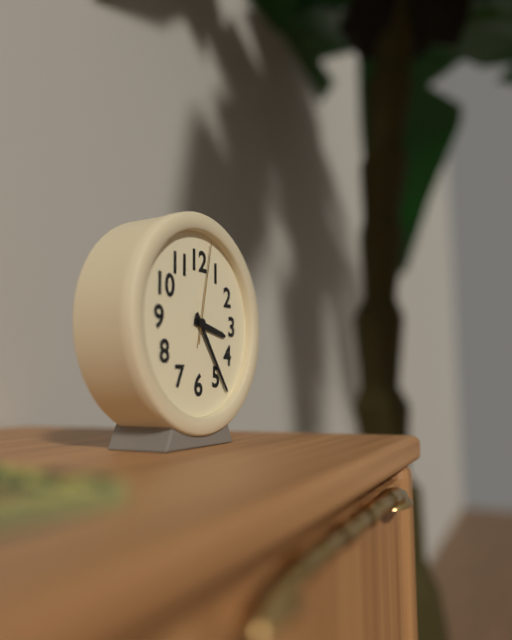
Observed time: 3:24:02
